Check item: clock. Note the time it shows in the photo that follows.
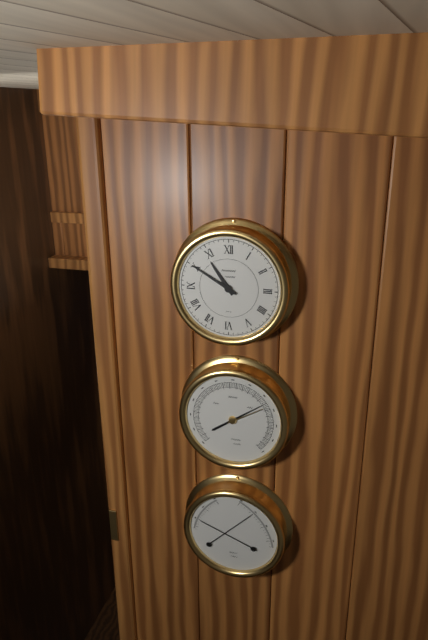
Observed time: 10:50
